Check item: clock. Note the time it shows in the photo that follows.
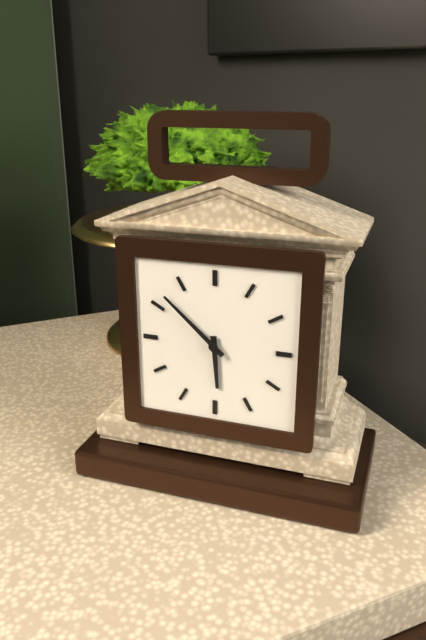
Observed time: 5:52
